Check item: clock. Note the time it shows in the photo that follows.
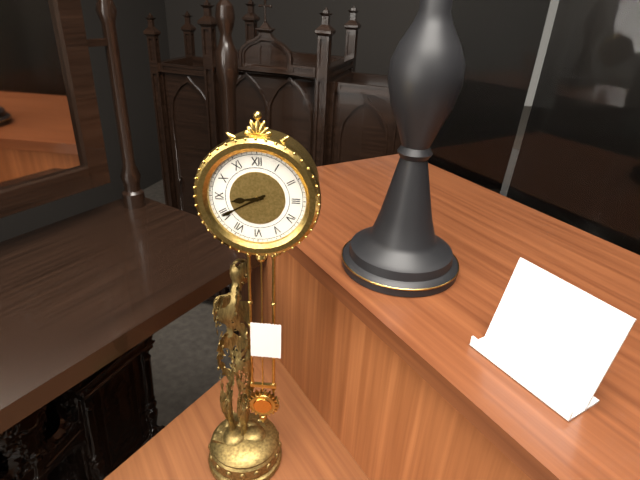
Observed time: 8:40
